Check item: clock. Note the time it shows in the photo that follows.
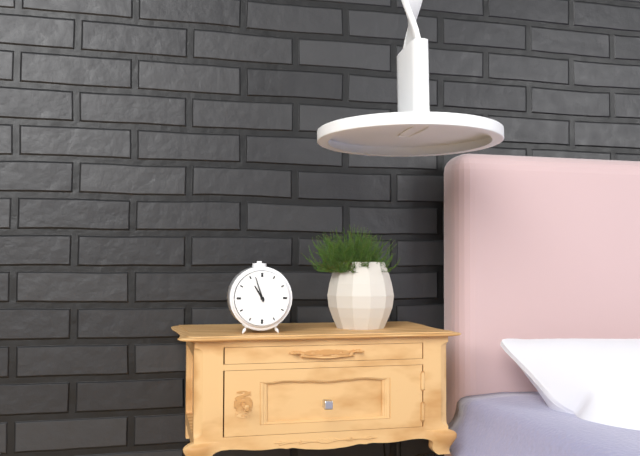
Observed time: 10:57
